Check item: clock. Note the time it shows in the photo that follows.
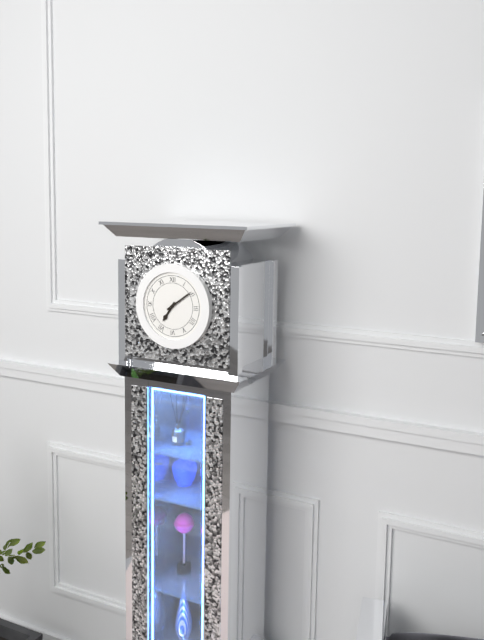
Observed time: 7:09
